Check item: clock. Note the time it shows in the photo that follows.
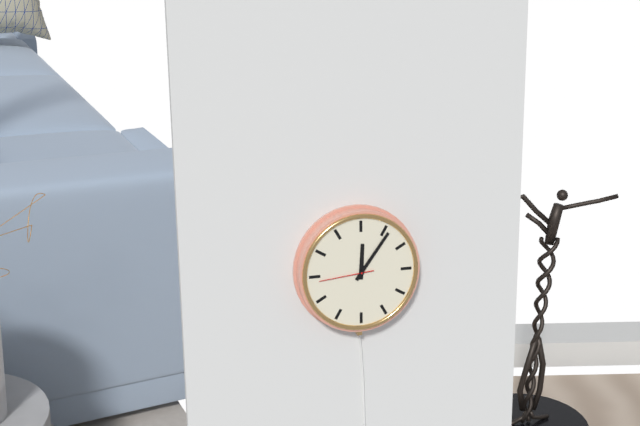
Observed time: 12:06:44
